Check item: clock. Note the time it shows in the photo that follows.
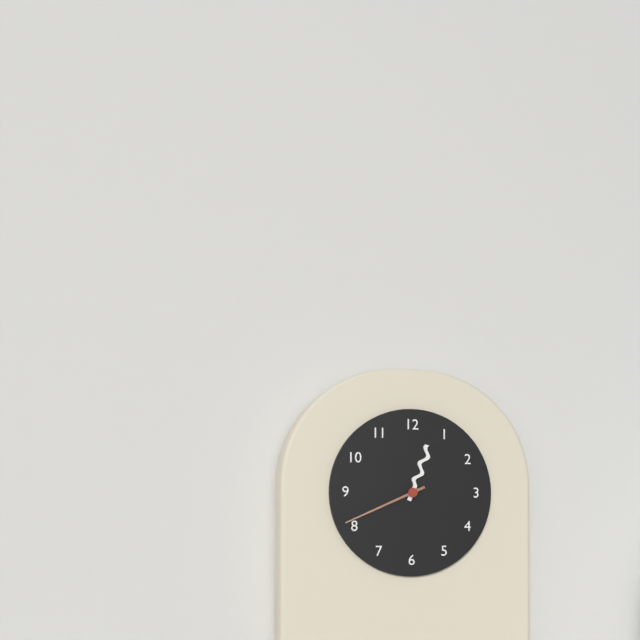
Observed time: 12:41
